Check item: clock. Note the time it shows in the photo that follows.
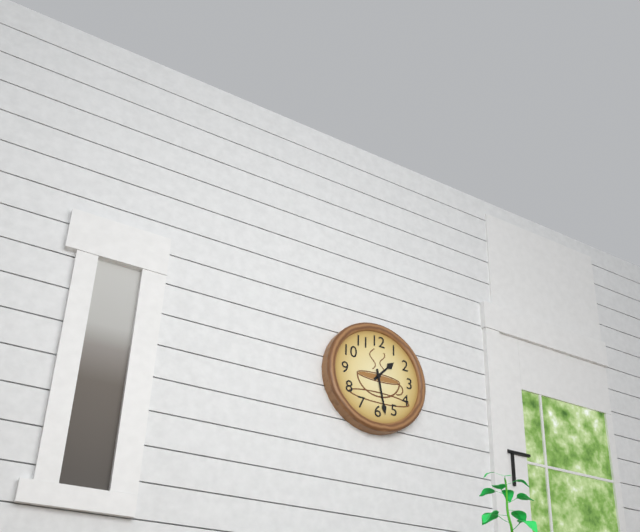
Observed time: 1:28
